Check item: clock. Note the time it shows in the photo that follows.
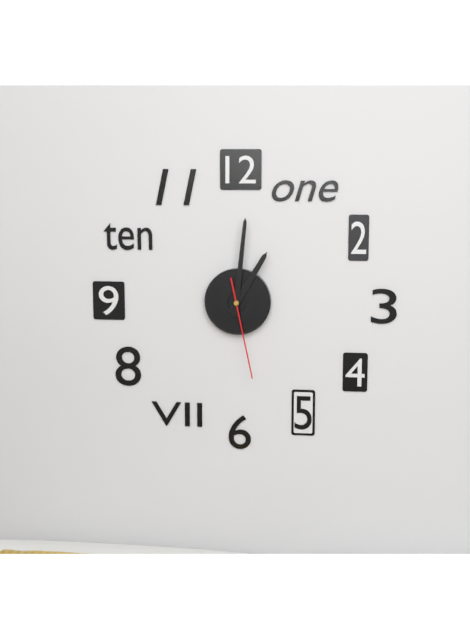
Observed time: 1:01:28
